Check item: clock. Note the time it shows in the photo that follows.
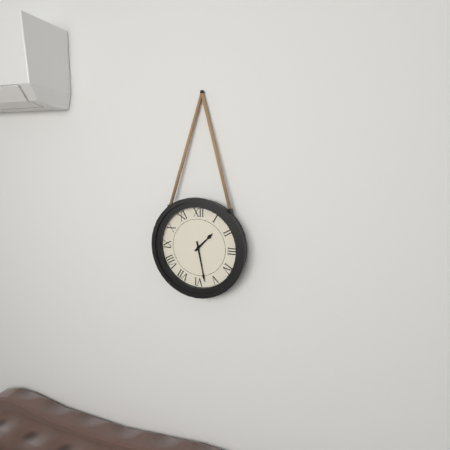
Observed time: 1:28
